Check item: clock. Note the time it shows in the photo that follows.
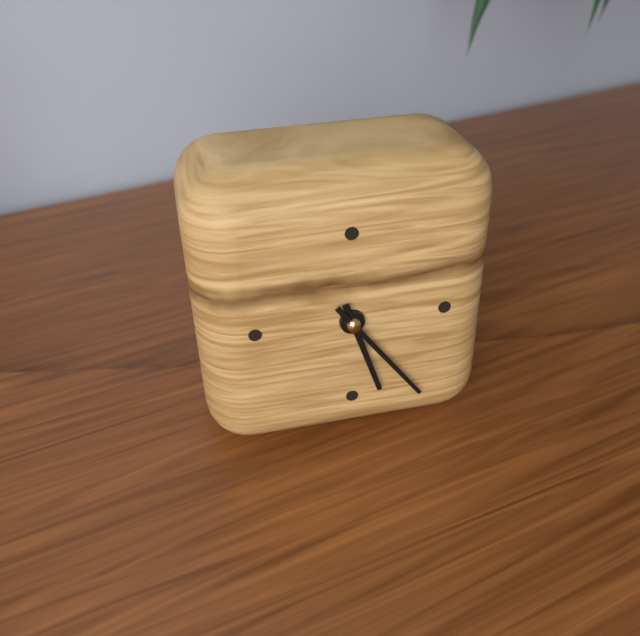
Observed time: 5:24
